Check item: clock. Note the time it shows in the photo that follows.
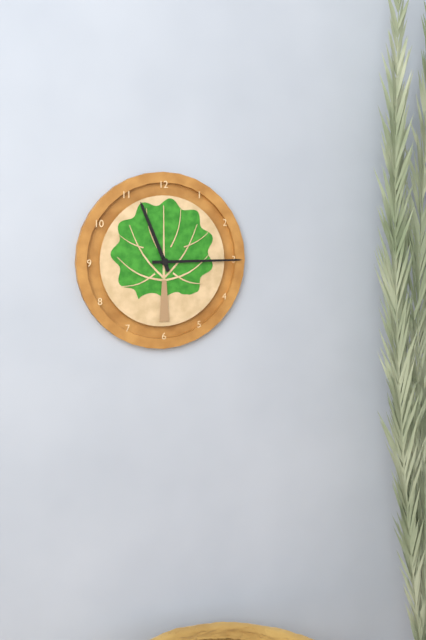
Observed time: 11:15
